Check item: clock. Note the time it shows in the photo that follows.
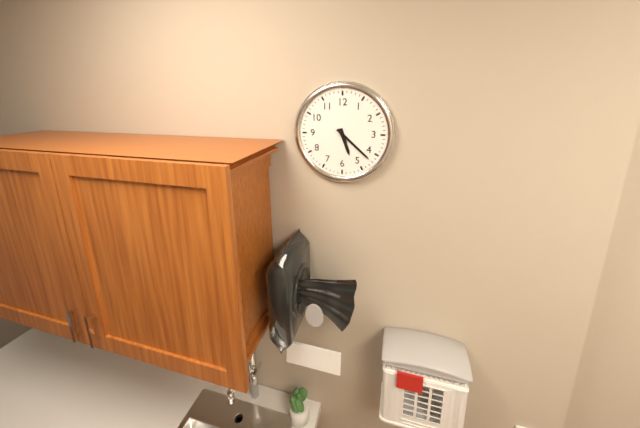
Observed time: 5:22
